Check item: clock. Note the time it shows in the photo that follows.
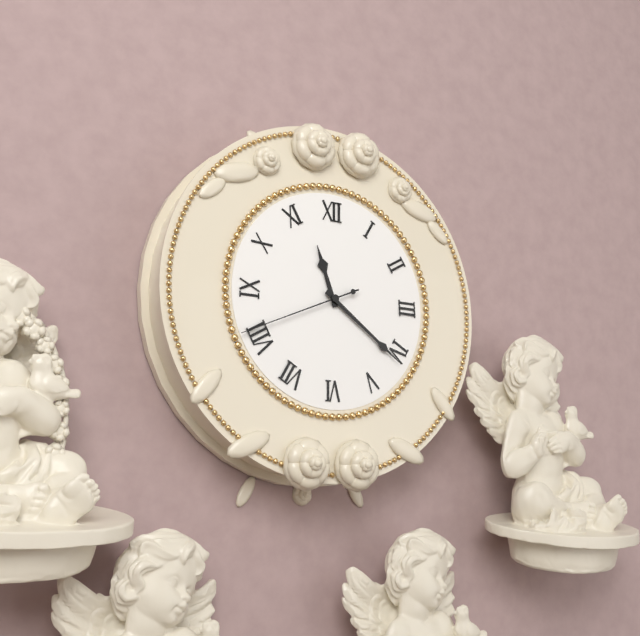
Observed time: 11:21:41
